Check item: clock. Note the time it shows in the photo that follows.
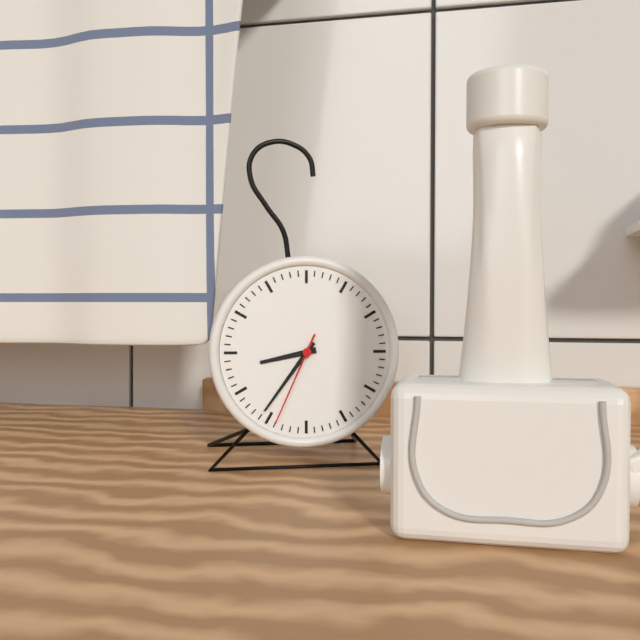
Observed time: 8:36:34
